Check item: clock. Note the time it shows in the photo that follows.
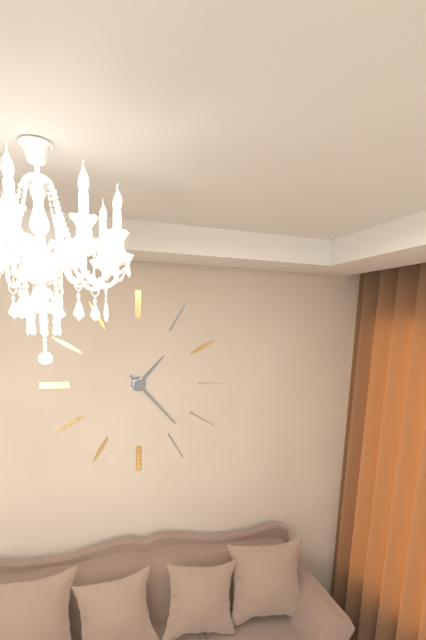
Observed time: 1:23
